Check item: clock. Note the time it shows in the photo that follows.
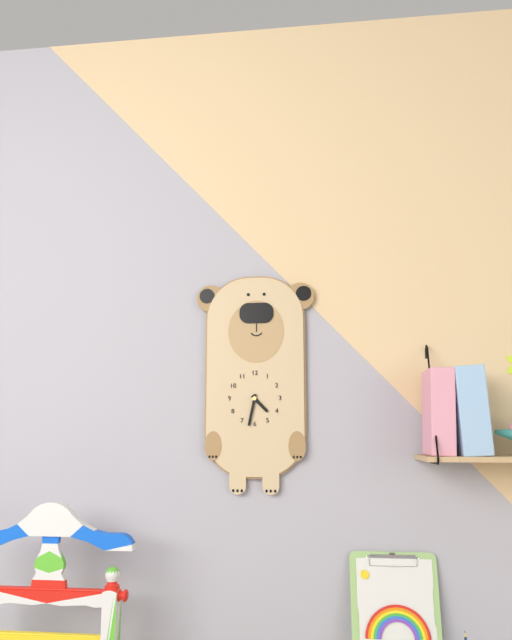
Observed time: 4:32
